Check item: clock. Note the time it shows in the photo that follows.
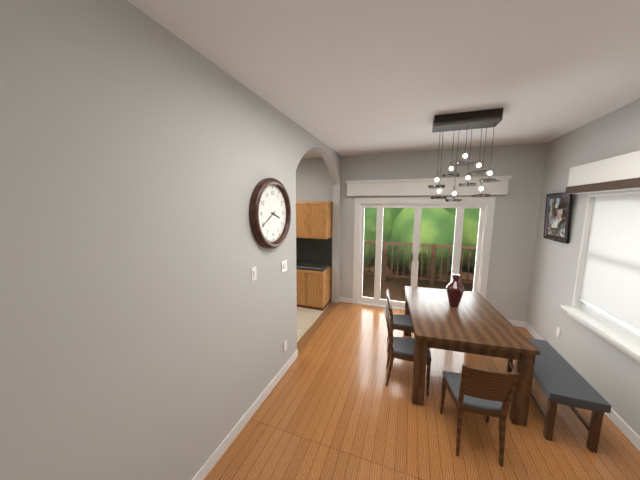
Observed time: 3:40
